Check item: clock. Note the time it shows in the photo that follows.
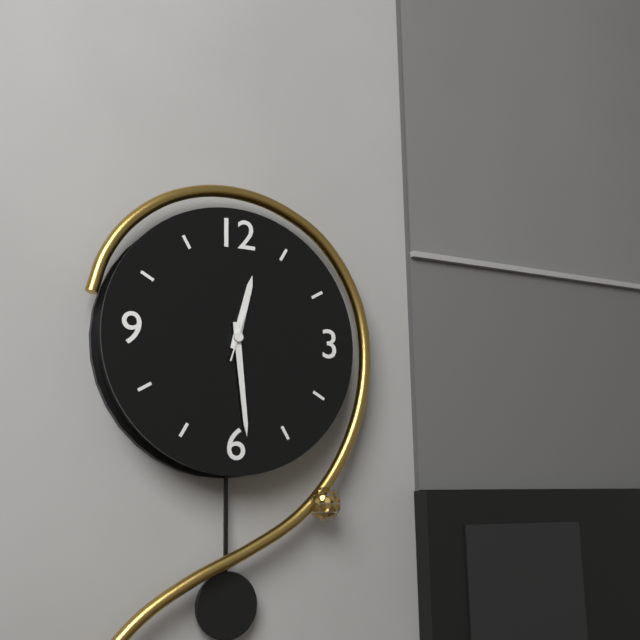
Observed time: 12:29
